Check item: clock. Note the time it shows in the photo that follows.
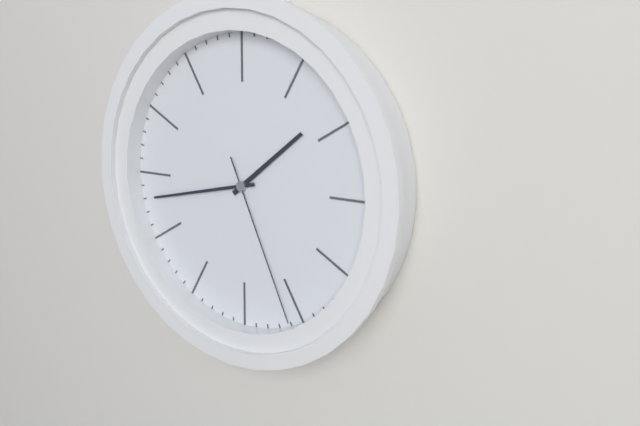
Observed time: 1:43:26
